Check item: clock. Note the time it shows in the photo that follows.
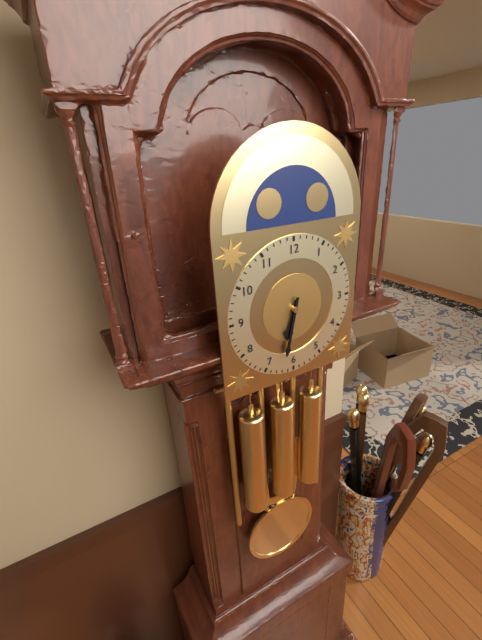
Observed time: 6:32
